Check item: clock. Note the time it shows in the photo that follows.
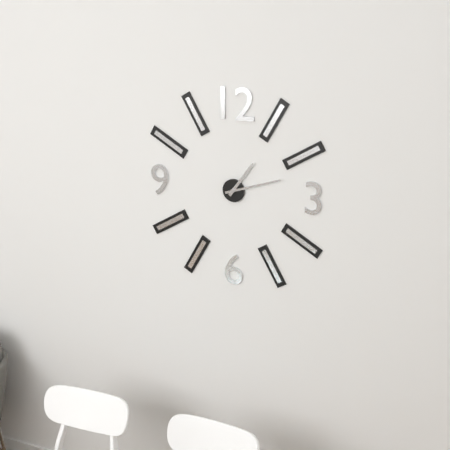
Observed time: 1:12
